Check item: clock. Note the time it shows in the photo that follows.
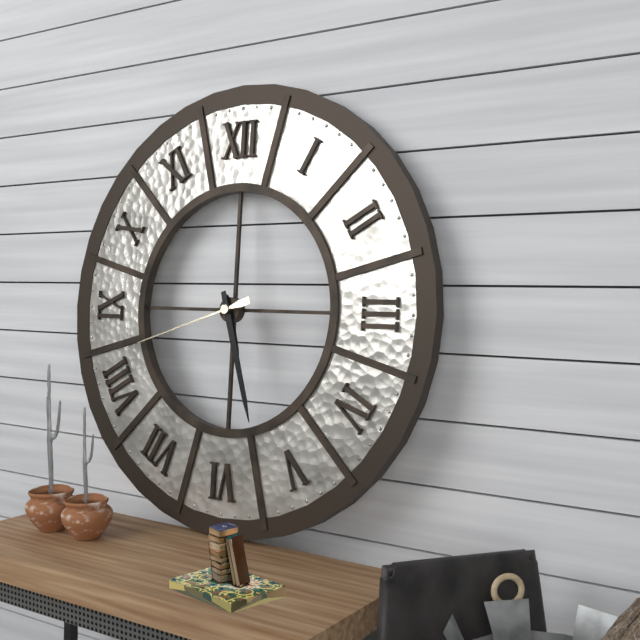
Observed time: 5:27:42
